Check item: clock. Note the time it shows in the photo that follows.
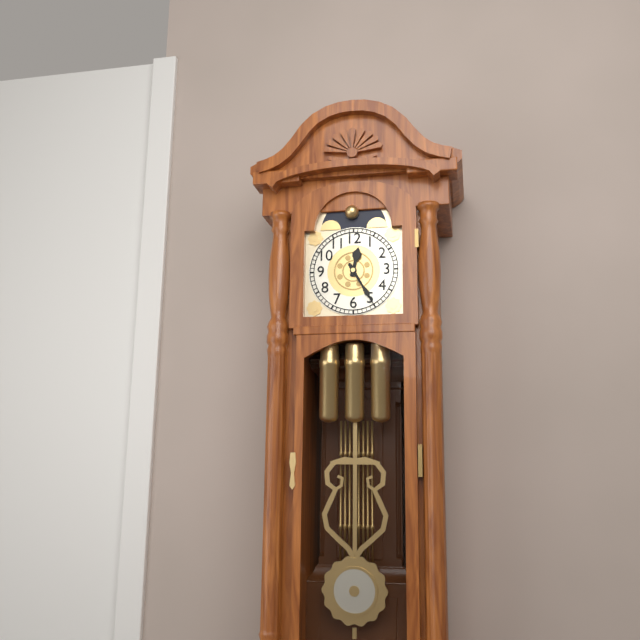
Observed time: 12:25
